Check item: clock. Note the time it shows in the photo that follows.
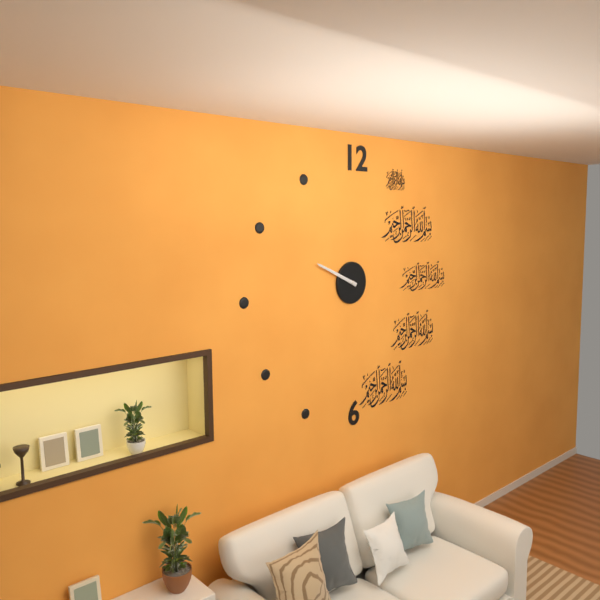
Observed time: 9:49
